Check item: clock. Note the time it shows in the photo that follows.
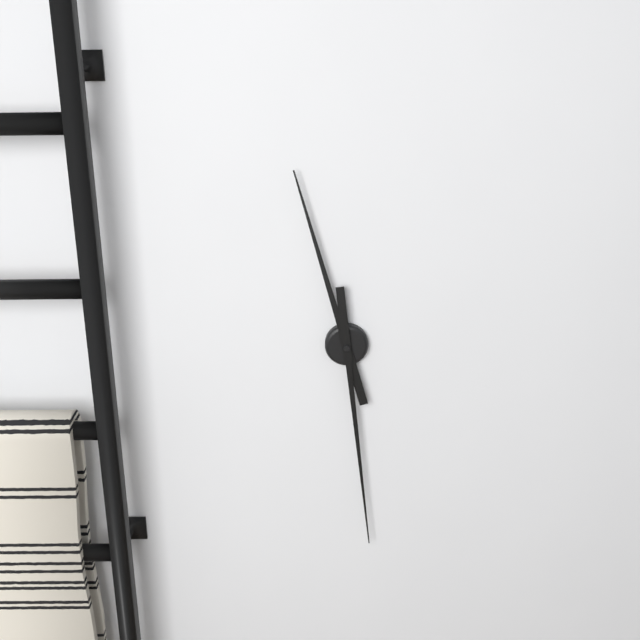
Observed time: 11:29
